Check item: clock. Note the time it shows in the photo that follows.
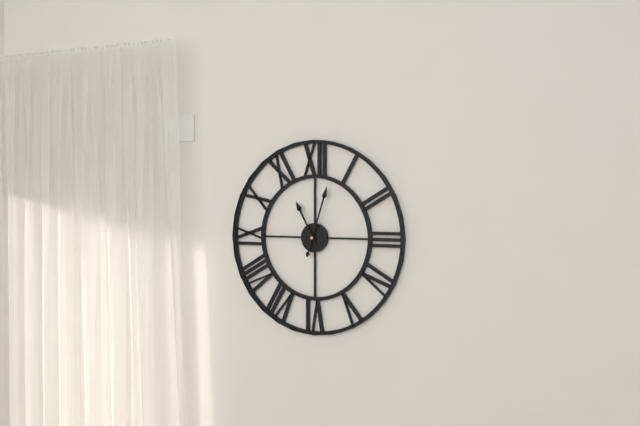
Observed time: 11:03
